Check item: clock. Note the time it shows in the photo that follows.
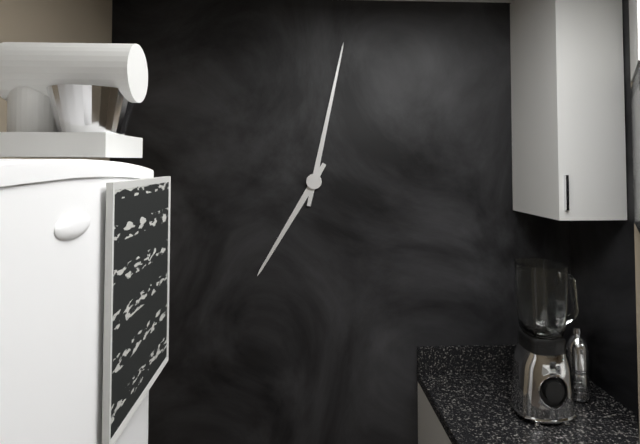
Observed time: 7:02
